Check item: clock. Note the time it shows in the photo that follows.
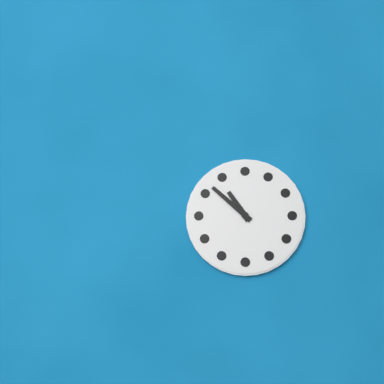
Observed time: 10:52
